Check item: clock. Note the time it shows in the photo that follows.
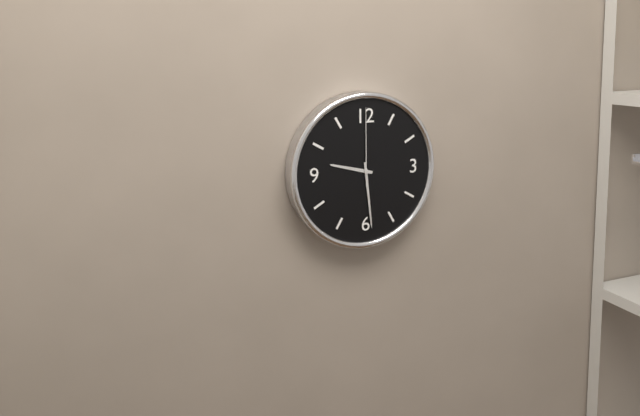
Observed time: 9:29:00
